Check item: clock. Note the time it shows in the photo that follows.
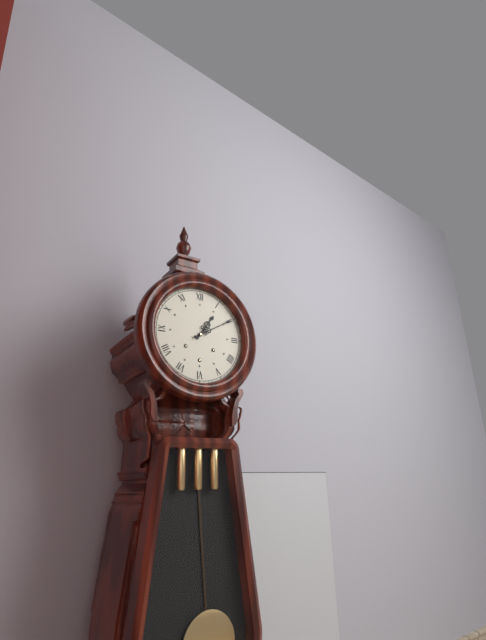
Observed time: 1:10
